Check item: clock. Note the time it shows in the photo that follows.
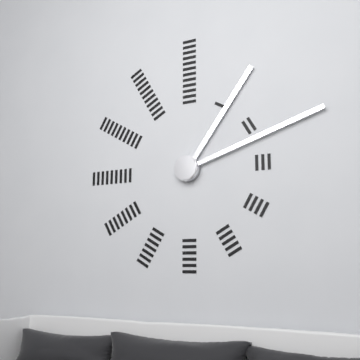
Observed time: 1:12
